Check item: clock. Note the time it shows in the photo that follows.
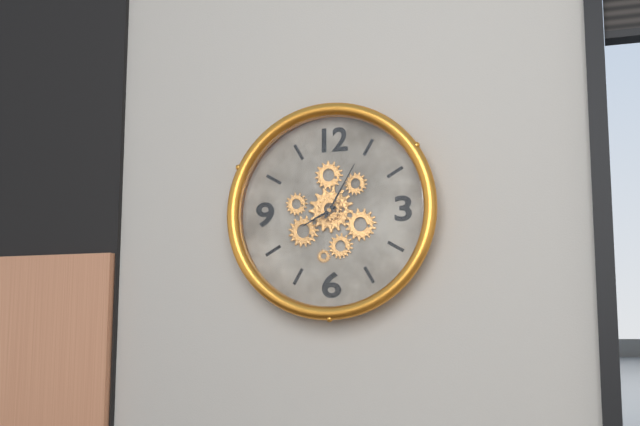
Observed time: 8:05
